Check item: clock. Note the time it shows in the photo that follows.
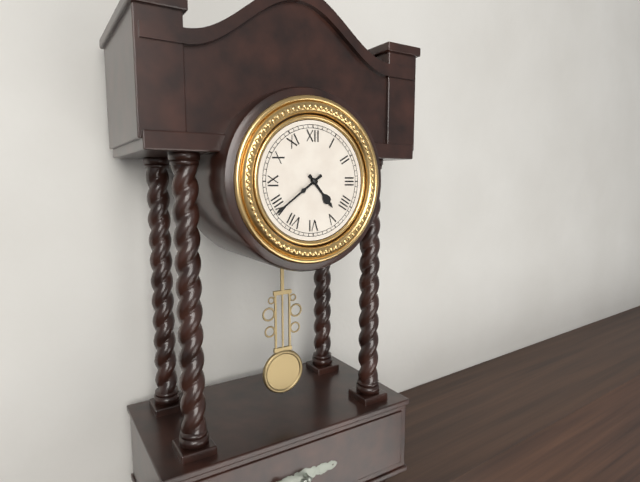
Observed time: 4:39
